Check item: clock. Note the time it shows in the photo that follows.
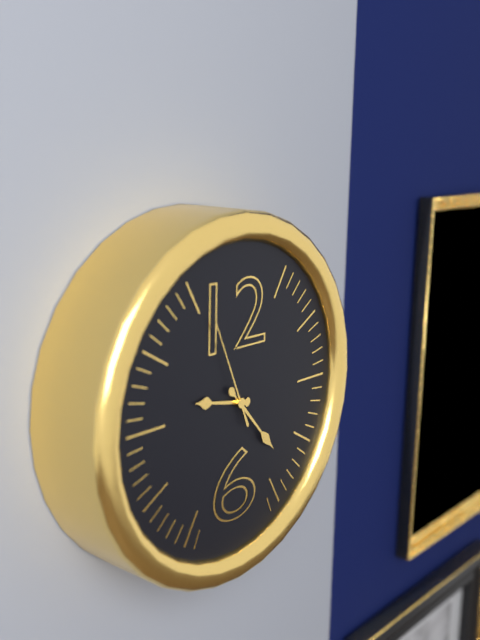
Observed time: 9:23:56
